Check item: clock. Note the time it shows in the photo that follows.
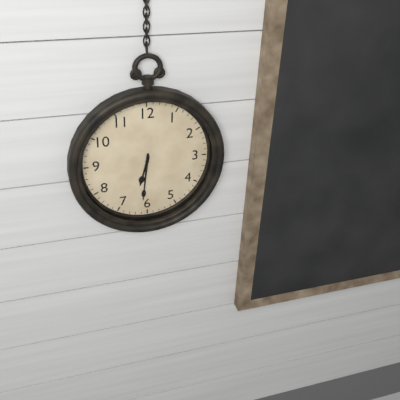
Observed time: 6:31
